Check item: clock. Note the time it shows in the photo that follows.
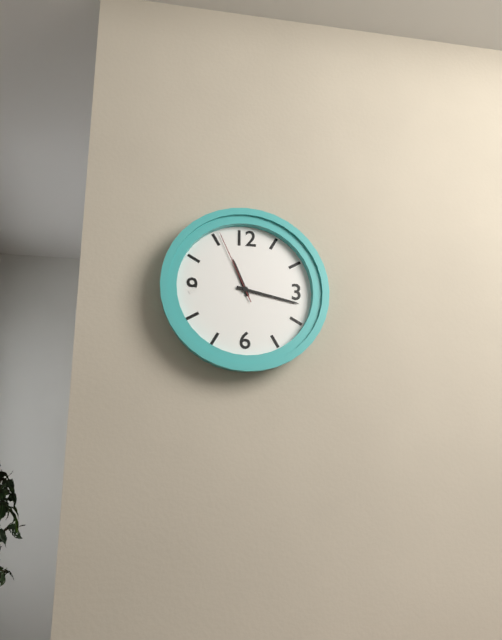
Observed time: 11:17:56
